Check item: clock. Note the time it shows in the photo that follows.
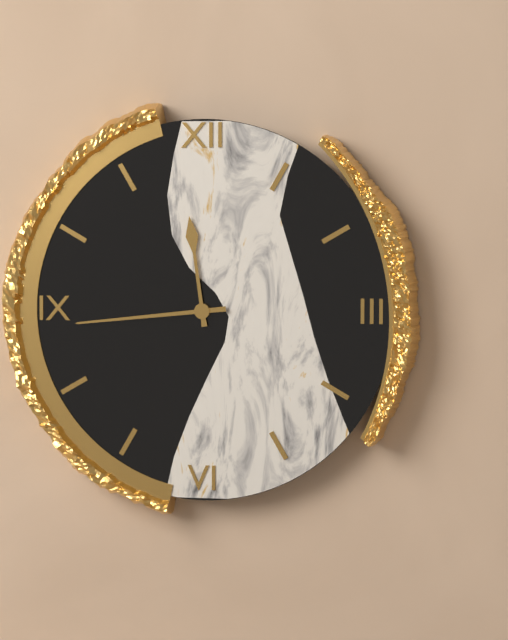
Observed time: 11:44
